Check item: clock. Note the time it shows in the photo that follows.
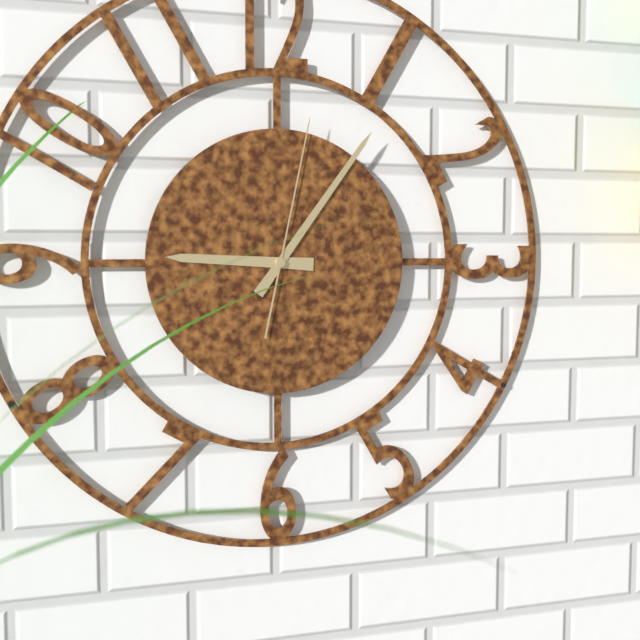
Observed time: 9:06:02
